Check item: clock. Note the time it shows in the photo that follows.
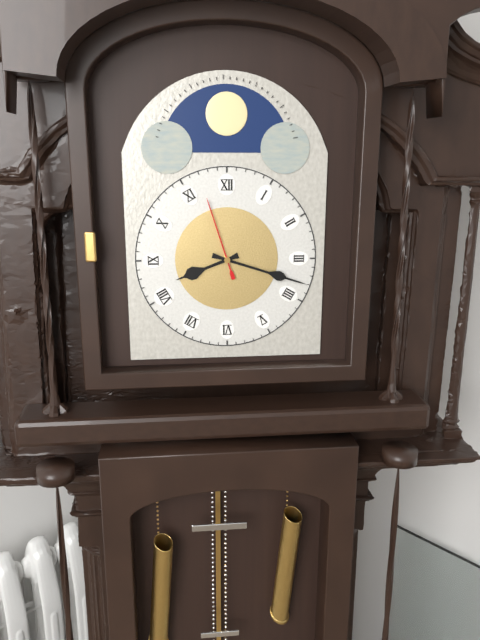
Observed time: 8:18:57
